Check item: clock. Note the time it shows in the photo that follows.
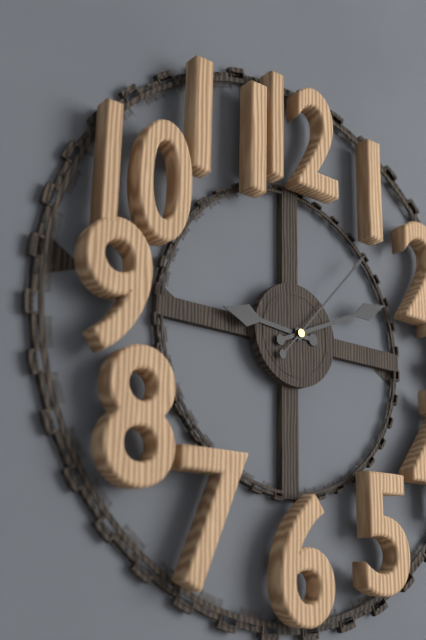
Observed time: 9:11:07
